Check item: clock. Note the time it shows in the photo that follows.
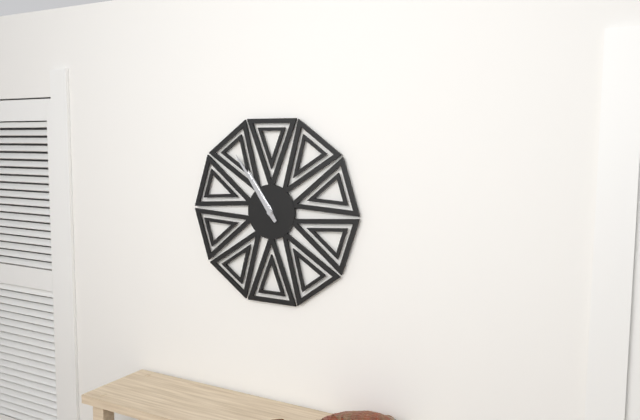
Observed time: 10:54
